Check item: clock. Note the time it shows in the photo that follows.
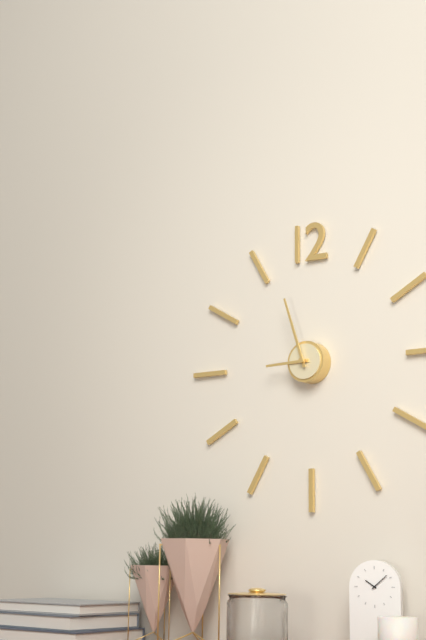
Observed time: 8:57
